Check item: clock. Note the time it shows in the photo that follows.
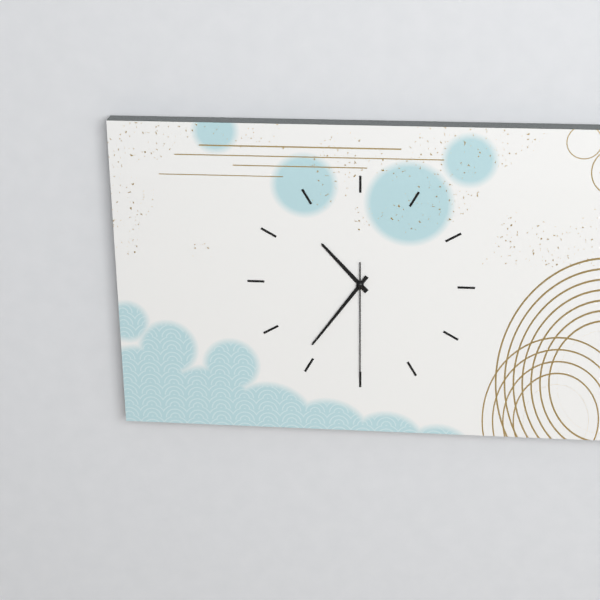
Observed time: 10:36:30
